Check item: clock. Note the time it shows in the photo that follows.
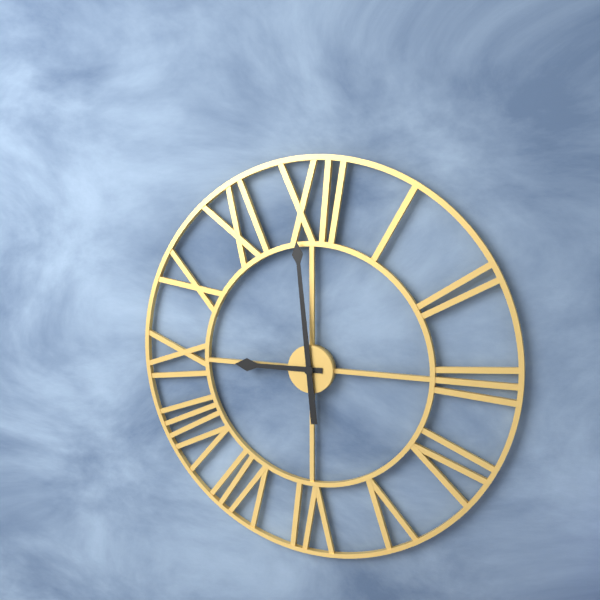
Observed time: 8:59
